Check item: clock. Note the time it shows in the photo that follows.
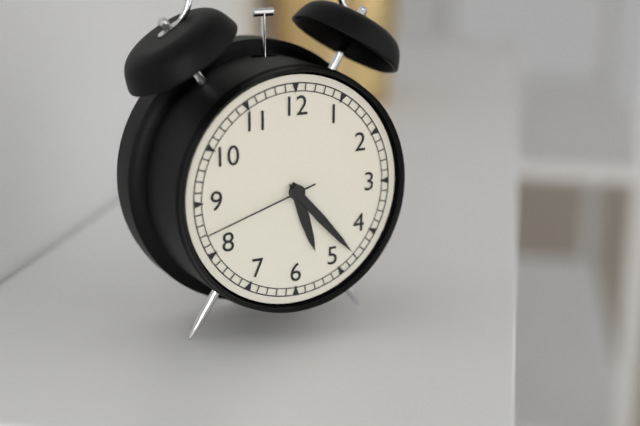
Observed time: 5:23:42
